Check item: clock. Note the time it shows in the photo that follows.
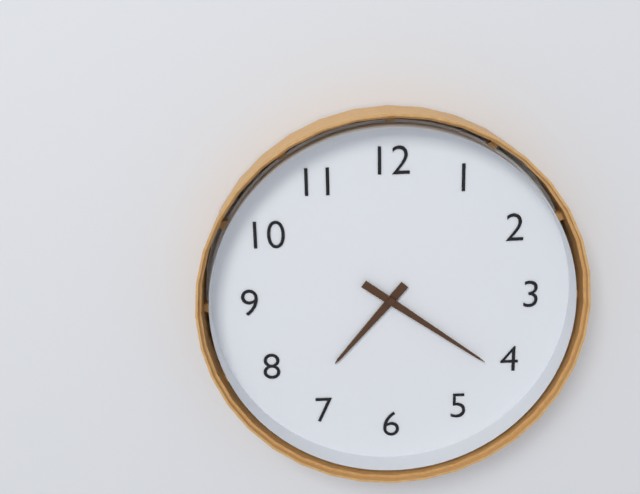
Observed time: 7:21
